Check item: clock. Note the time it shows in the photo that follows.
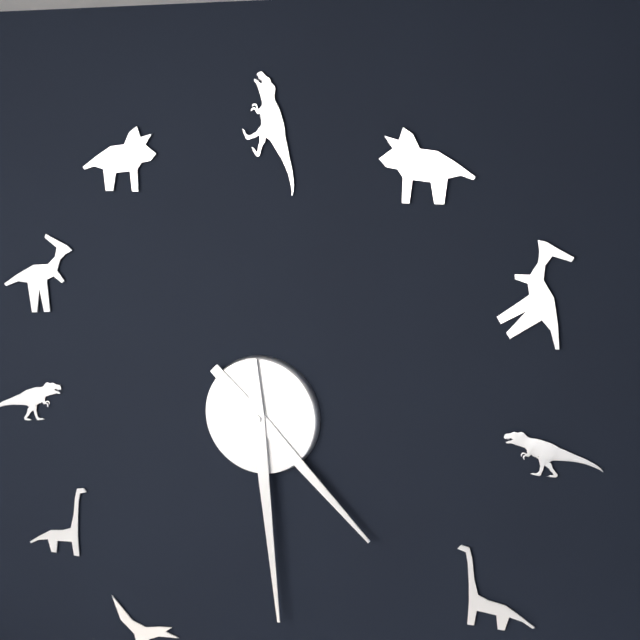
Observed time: 4:29
